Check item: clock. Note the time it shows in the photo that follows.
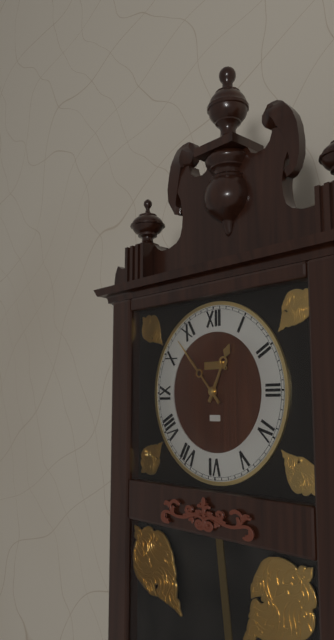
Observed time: 12:53
